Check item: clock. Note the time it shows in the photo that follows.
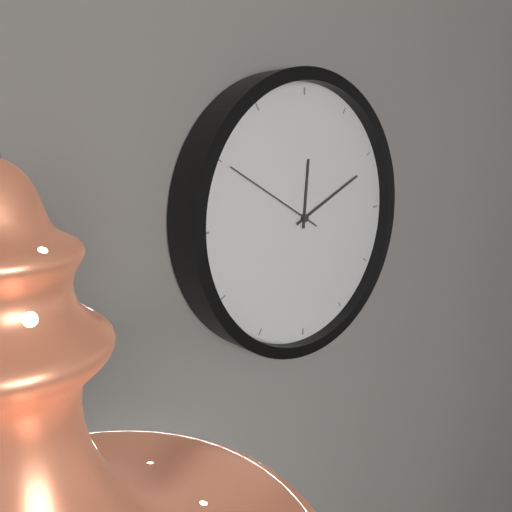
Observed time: 12:11:50
